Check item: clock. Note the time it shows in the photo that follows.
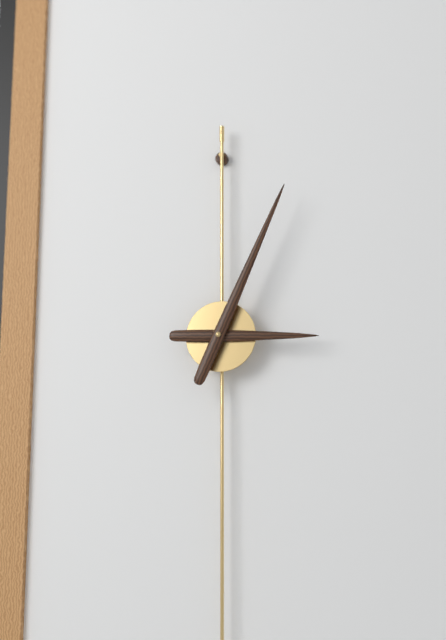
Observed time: 3:04
